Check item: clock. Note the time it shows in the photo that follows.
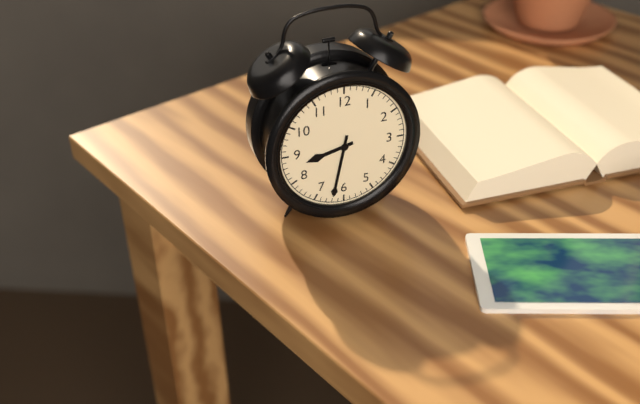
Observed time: 8:32
